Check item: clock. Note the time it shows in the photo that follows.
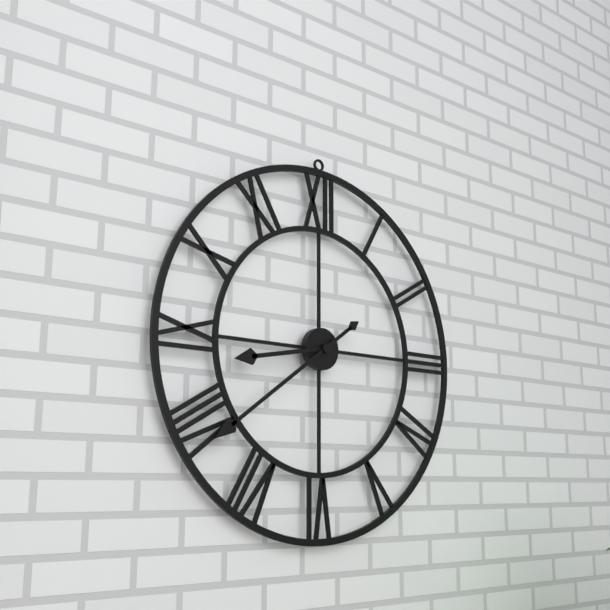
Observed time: 8:39
